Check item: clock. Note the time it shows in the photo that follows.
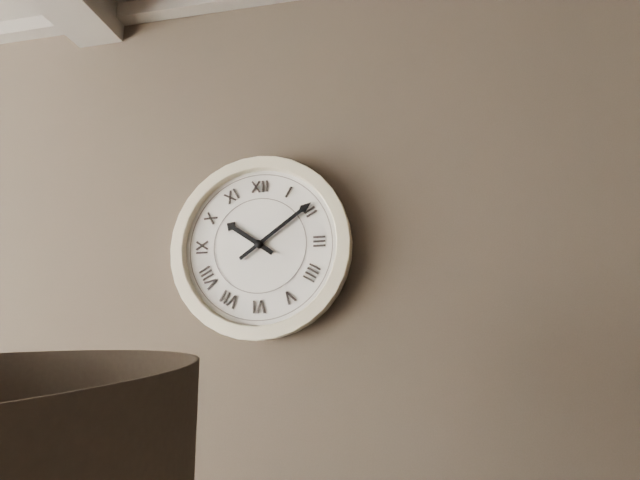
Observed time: 10:09
